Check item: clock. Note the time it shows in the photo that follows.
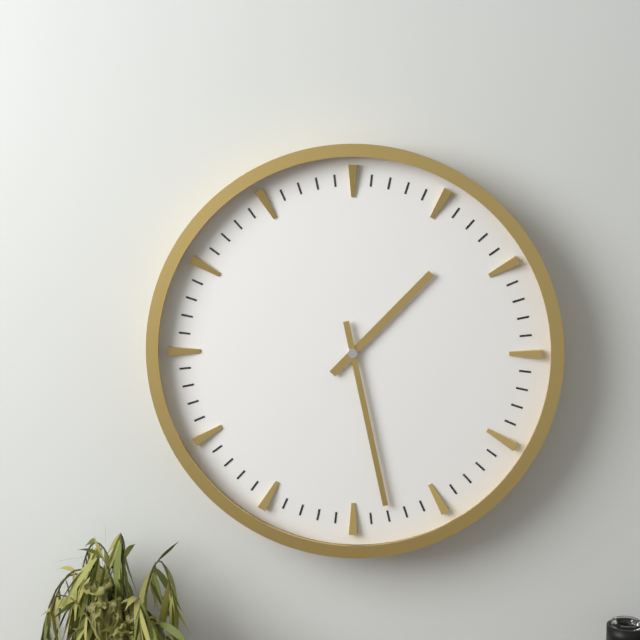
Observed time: 1:28
